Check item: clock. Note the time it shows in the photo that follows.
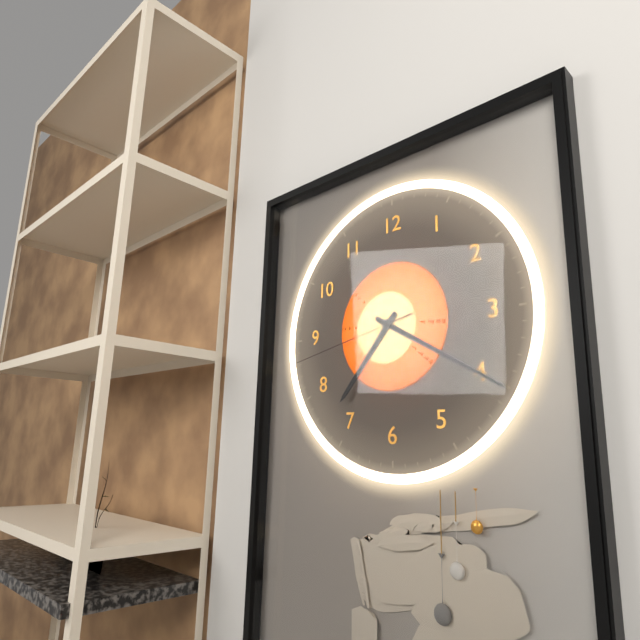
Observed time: 7:20:43
